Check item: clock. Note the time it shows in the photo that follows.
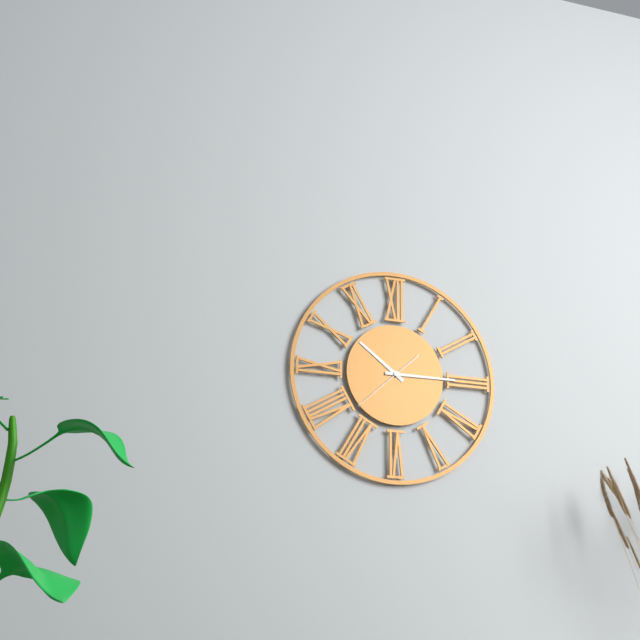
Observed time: 10:15:38
